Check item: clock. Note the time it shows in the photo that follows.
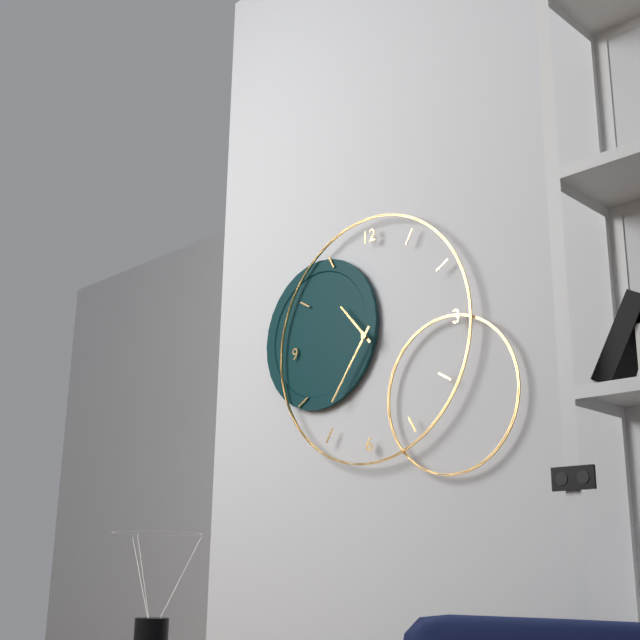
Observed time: 10:36
